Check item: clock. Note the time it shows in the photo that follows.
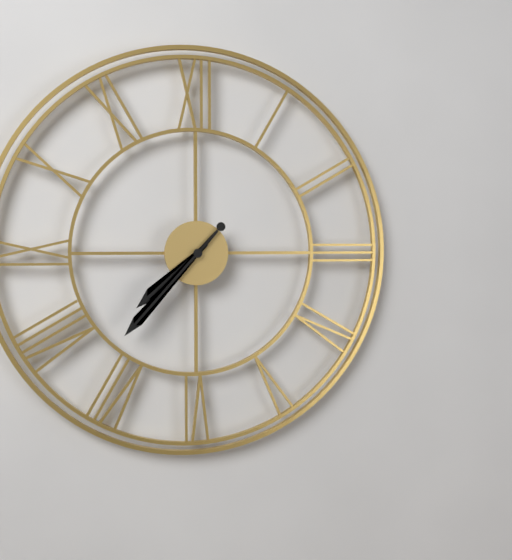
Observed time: 7:37
